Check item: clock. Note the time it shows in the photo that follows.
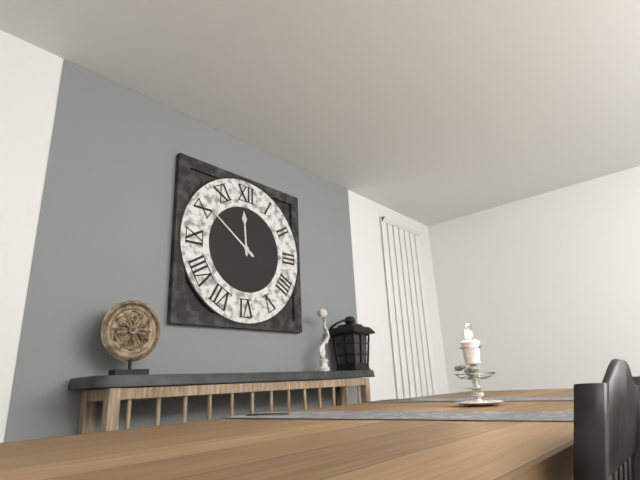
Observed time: 11:51
